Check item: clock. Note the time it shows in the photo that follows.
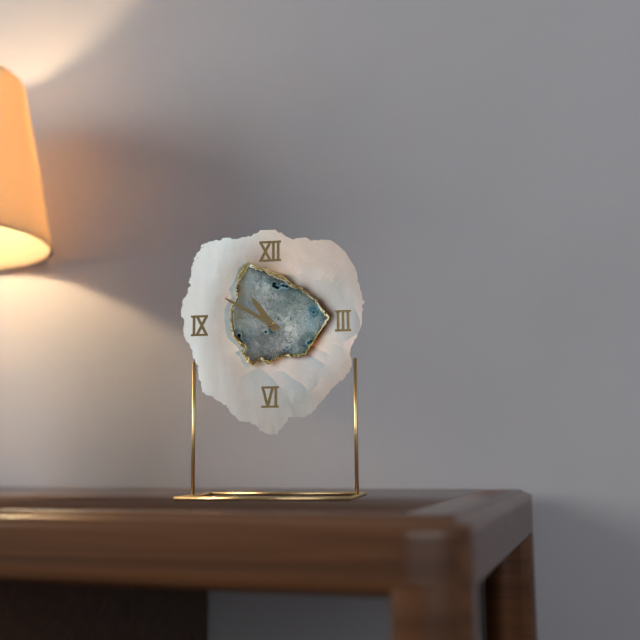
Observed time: 10:50
